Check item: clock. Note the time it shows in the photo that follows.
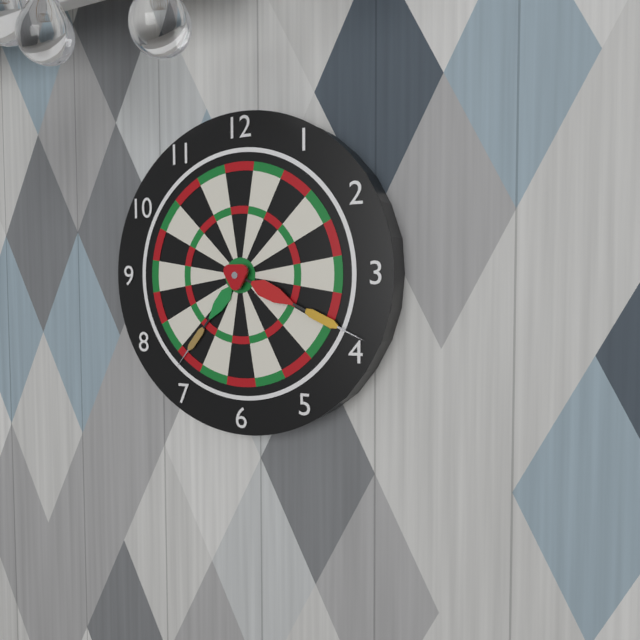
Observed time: 7:19
